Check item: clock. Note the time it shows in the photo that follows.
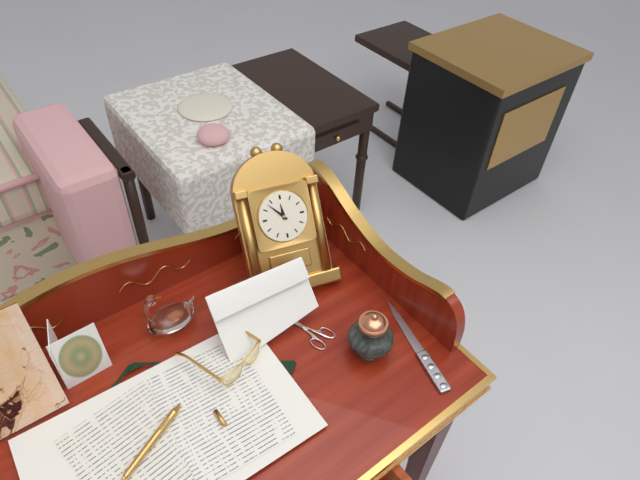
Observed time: 11:53
